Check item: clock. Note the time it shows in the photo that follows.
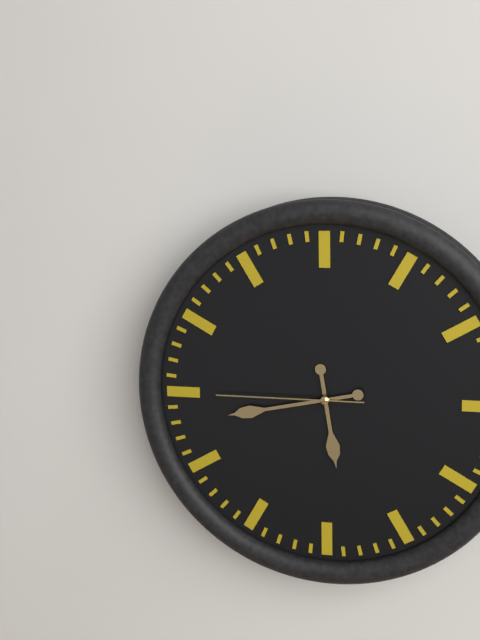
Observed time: 5:43:45
